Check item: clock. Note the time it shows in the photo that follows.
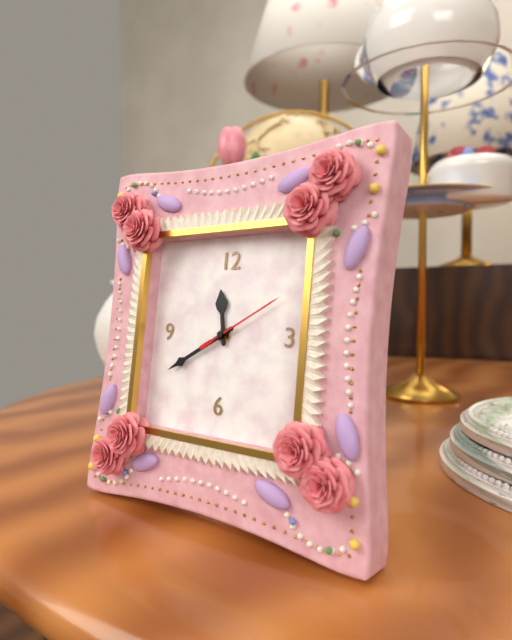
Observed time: 11:40:10
